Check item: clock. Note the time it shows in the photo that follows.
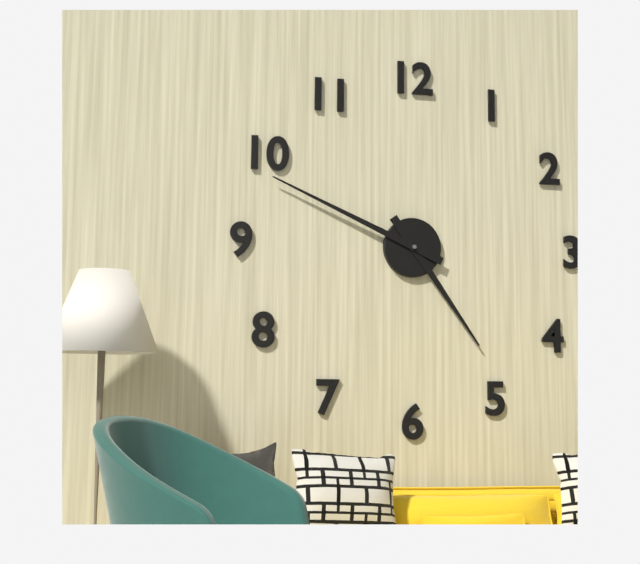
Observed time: 4:49
